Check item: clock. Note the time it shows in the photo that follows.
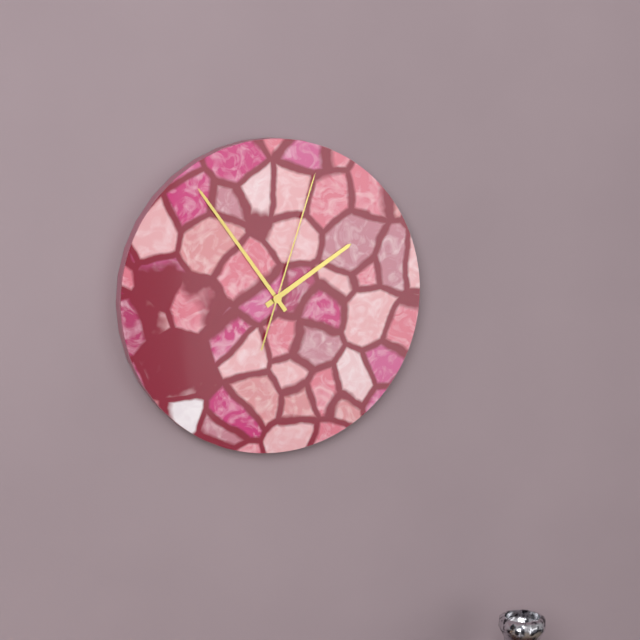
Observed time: 1:54:03
